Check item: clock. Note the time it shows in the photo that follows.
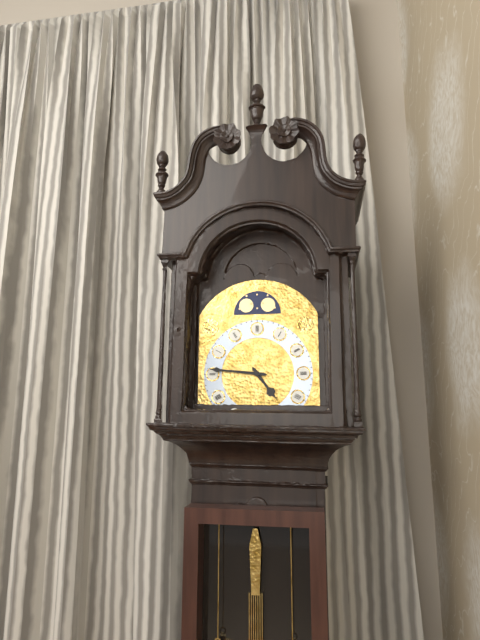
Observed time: 4:46
